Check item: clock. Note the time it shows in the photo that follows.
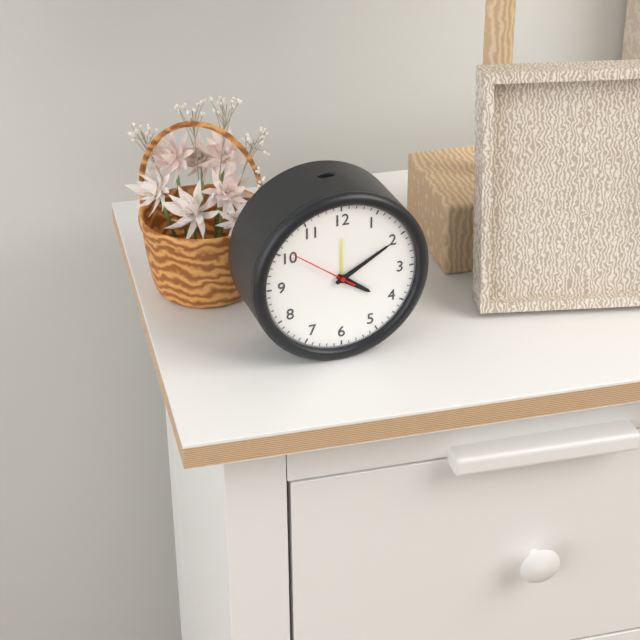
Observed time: 4:10:51
